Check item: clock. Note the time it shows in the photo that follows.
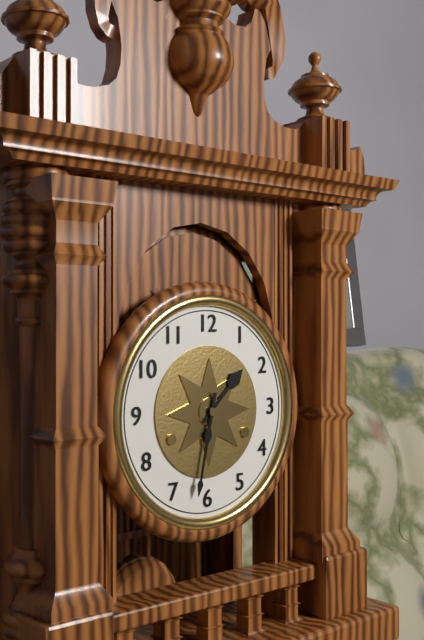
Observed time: 1:32
